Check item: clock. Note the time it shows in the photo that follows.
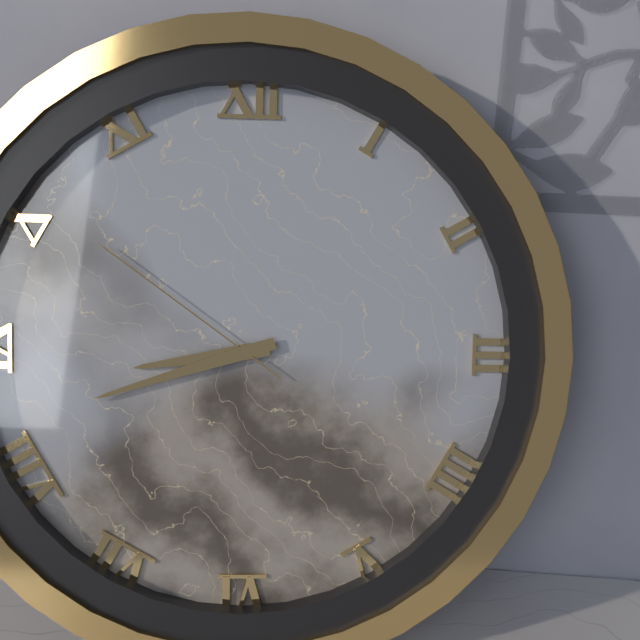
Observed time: 8:42:51
